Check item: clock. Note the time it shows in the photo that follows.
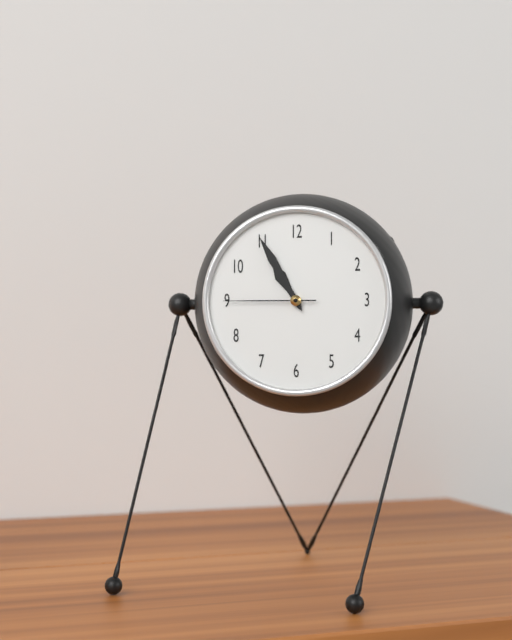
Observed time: 10:55:45
